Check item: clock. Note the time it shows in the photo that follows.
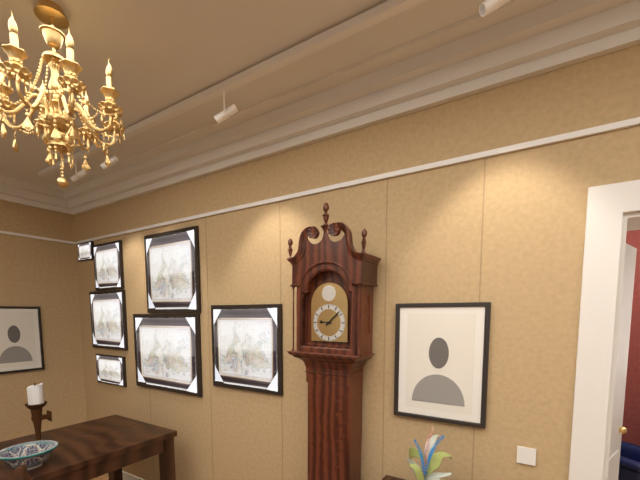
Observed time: 9:08
